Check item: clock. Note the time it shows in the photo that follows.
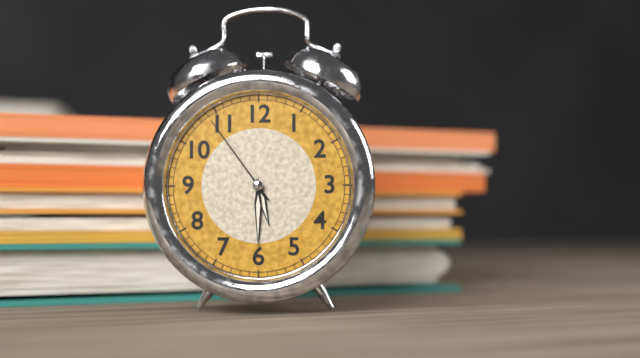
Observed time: 5:30:54
